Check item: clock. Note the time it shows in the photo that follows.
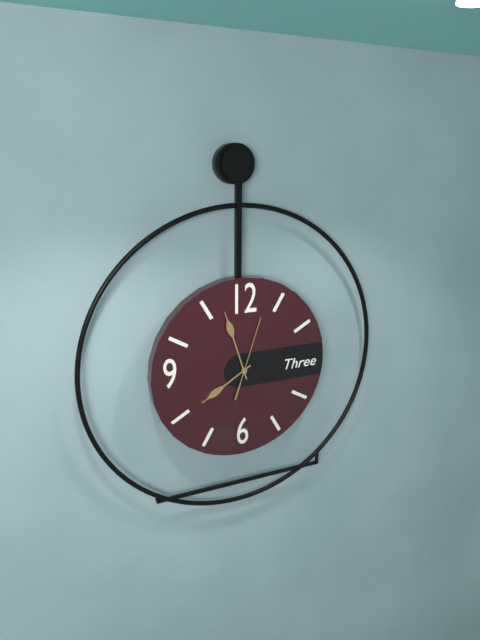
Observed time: 7:57:03
